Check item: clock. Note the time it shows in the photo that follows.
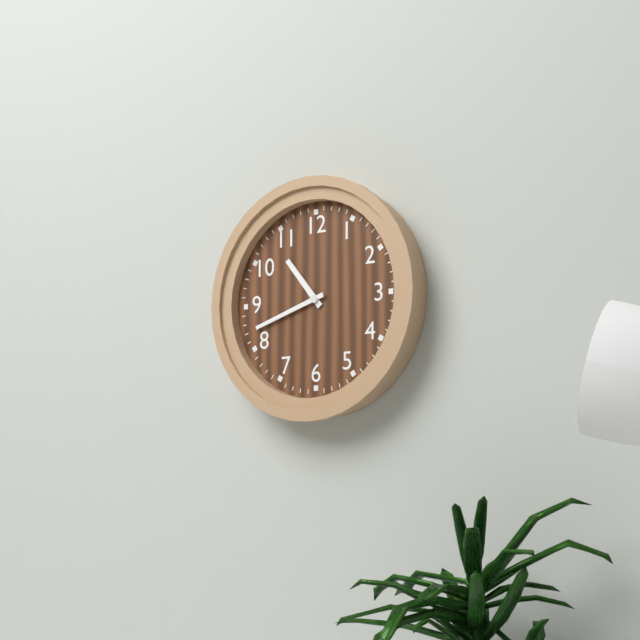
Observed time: 10:42
